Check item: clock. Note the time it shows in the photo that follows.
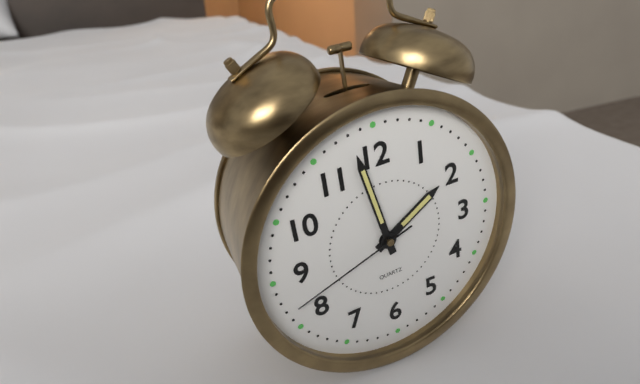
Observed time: 1:58:42
